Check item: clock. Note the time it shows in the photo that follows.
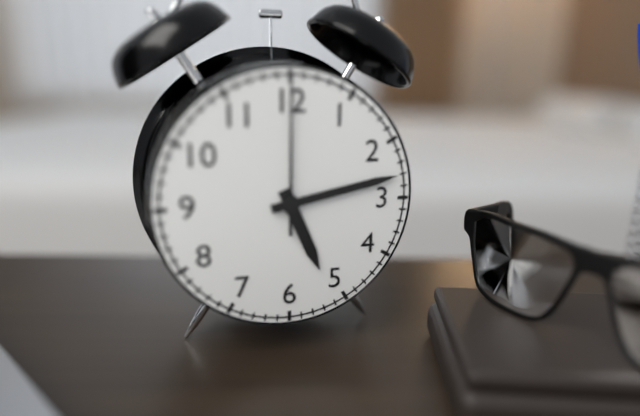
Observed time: 5:13:00
